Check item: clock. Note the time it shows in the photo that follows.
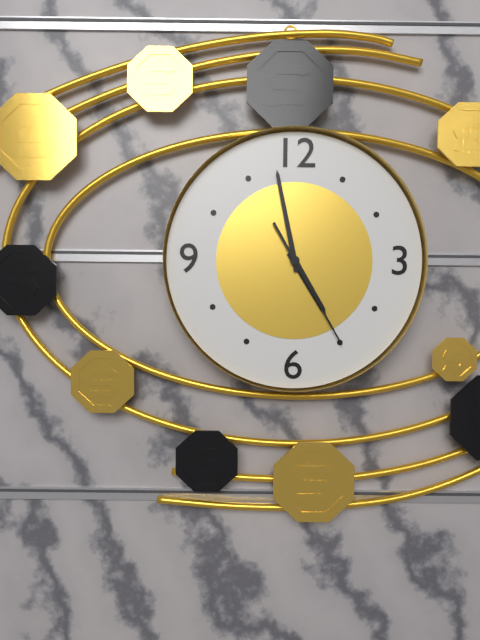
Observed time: 4:58:25
